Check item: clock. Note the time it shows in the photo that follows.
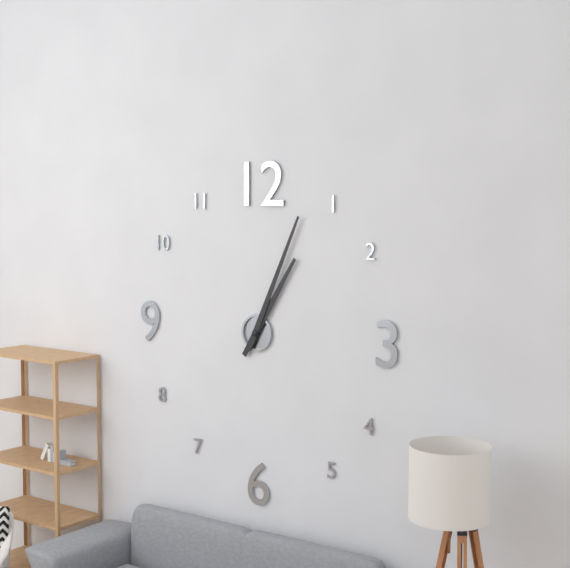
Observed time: 1:04
